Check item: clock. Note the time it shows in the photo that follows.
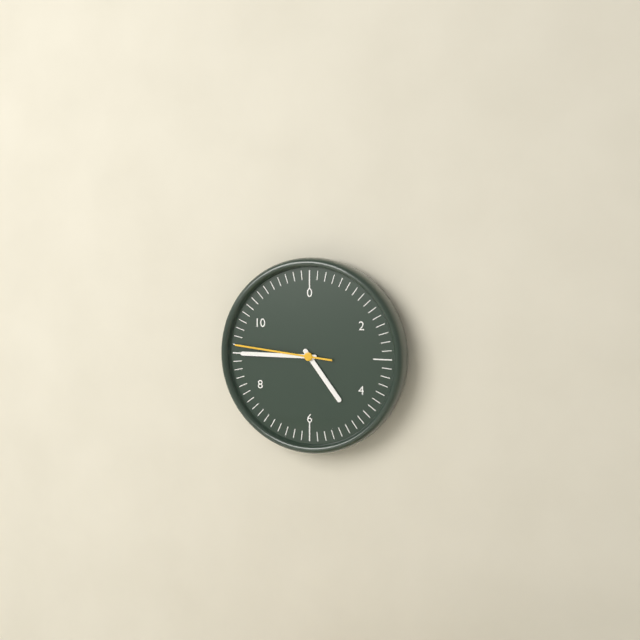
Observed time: 4:45:46
